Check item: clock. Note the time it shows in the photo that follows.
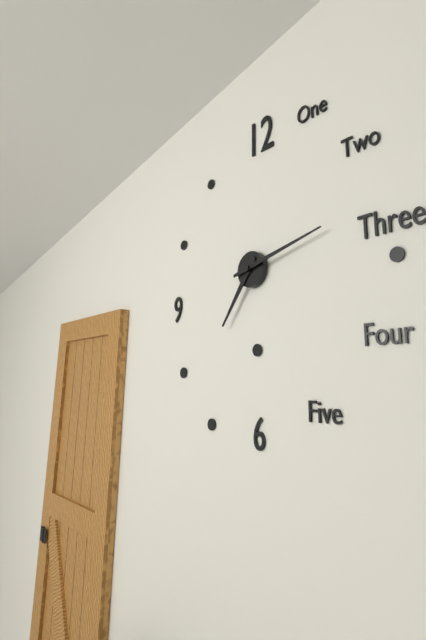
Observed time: 7:13
